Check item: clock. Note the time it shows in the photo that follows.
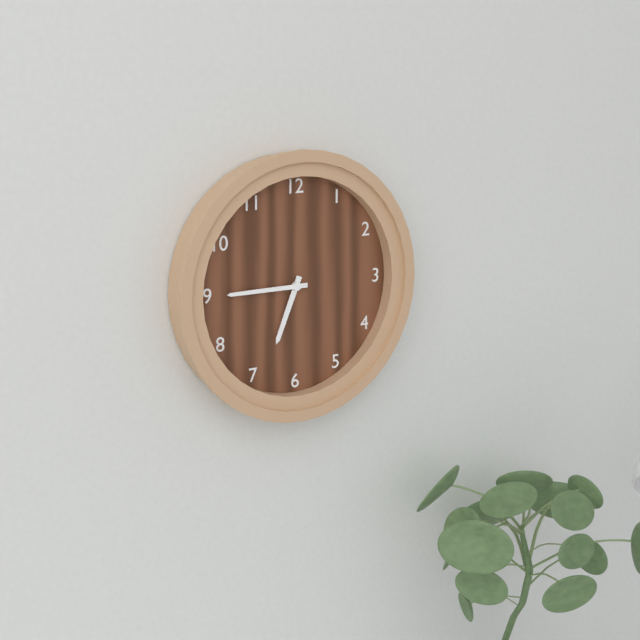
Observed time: 6:45
